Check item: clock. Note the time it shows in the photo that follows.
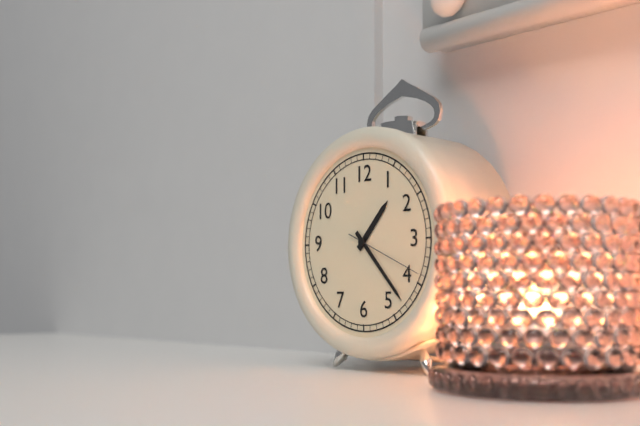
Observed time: 1:23:19
